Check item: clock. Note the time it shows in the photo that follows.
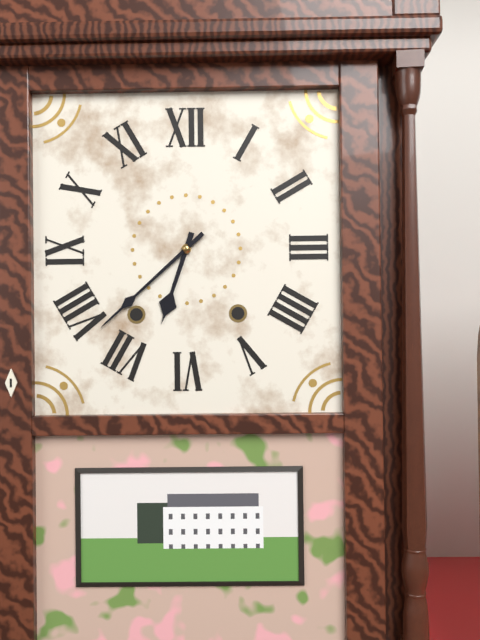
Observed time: 6:38
